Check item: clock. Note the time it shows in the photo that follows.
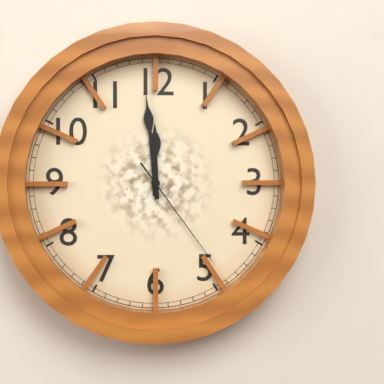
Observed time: 11:59:24
